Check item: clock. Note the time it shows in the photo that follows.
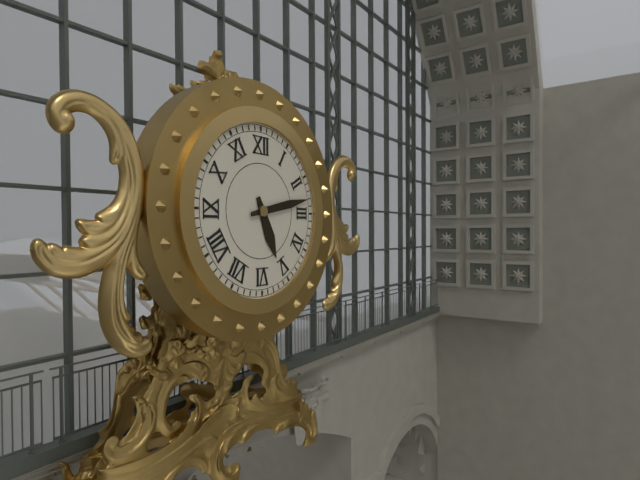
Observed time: 5:13
